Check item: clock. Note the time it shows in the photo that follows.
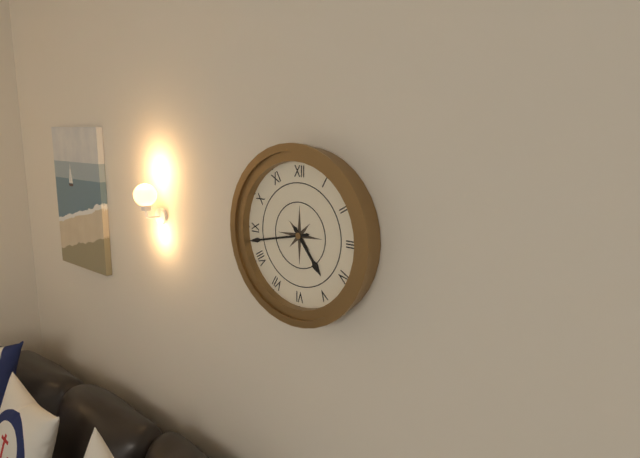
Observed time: 4:43
